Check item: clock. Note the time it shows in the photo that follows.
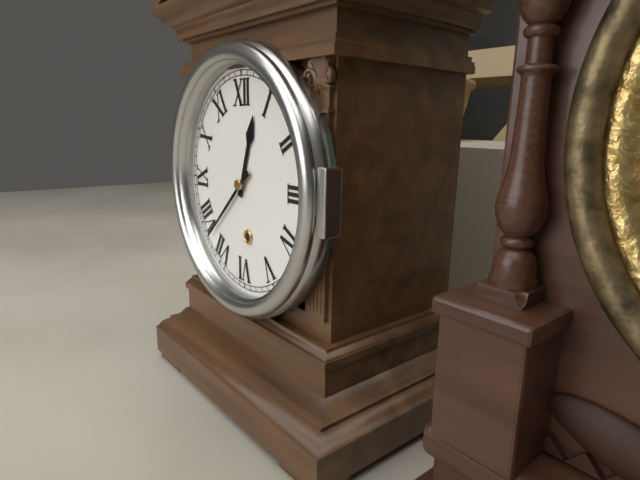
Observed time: 12:38
